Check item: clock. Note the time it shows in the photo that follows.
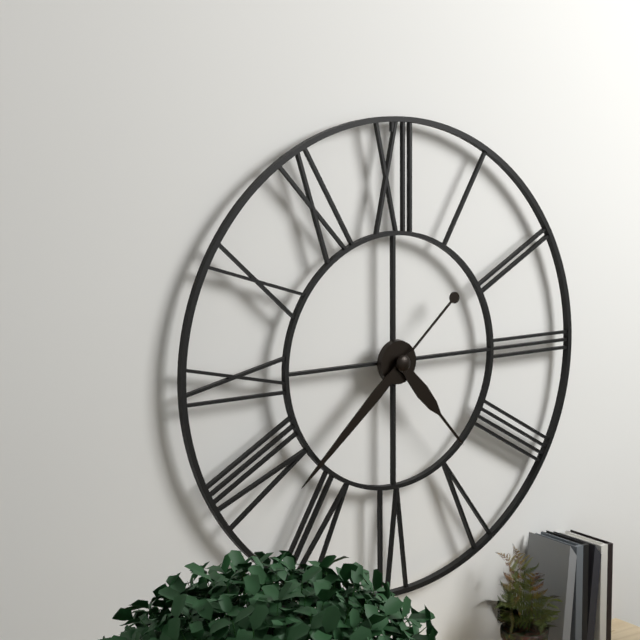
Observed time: 4:38
